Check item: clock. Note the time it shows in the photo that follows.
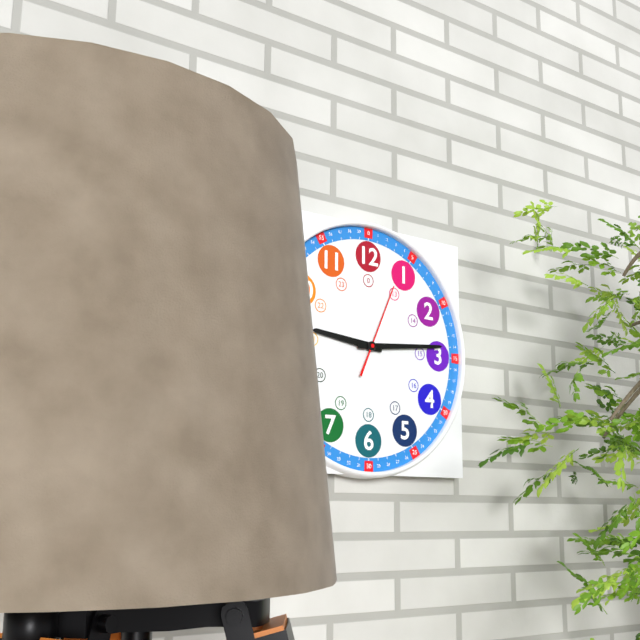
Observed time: 9:14:04
